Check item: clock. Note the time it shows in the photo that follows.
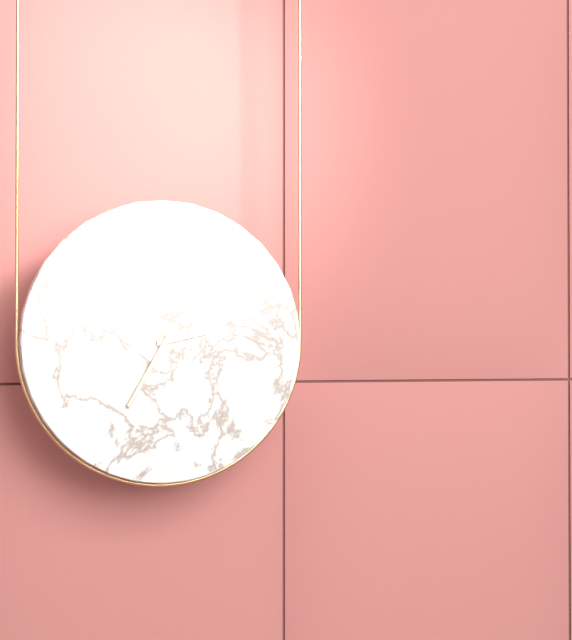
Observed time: 2:35
